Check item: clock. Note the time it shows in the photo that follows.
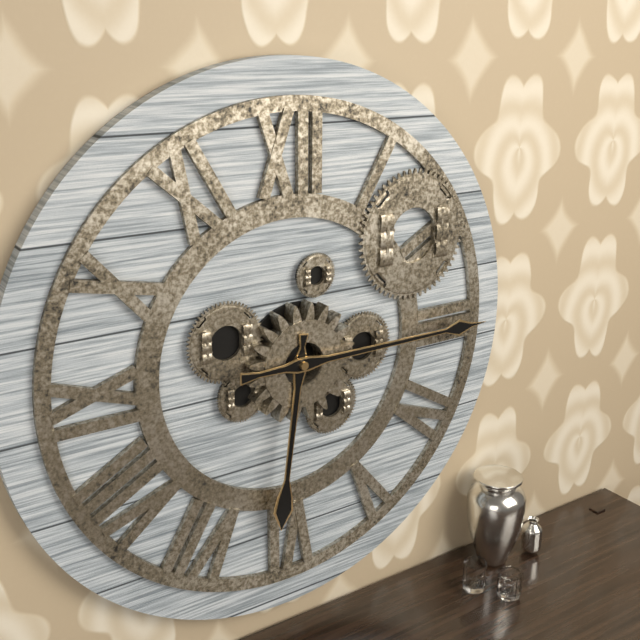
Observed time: 6:15
